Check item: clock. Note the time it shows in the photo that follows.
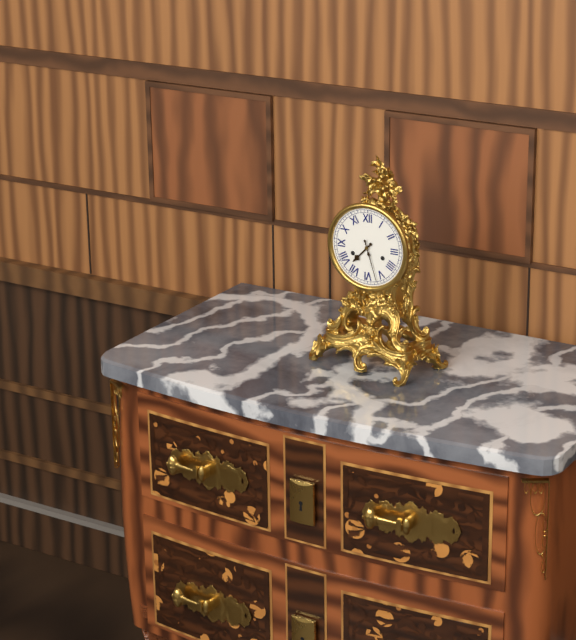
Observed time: 7:27
